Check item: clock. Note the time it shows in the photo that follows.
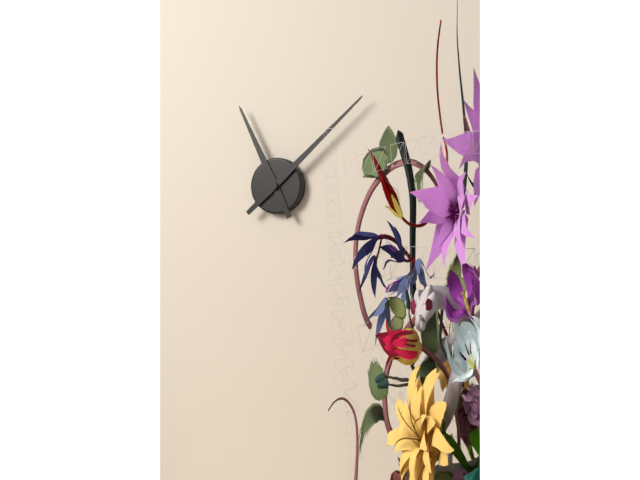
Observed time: 11:08
